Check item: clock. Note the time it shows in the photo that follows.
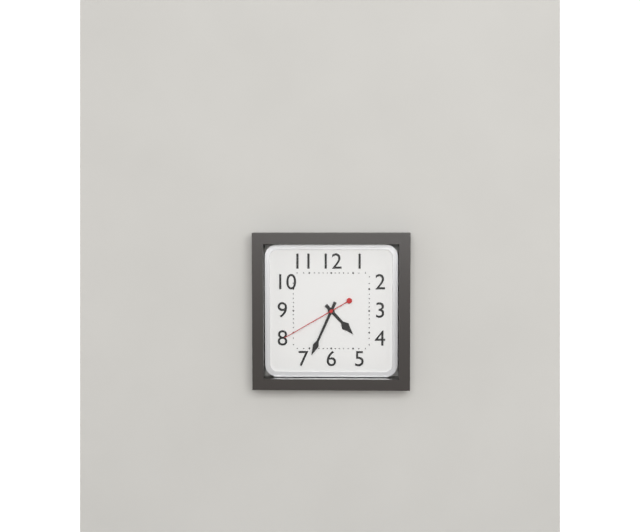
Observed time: 4:34:40
